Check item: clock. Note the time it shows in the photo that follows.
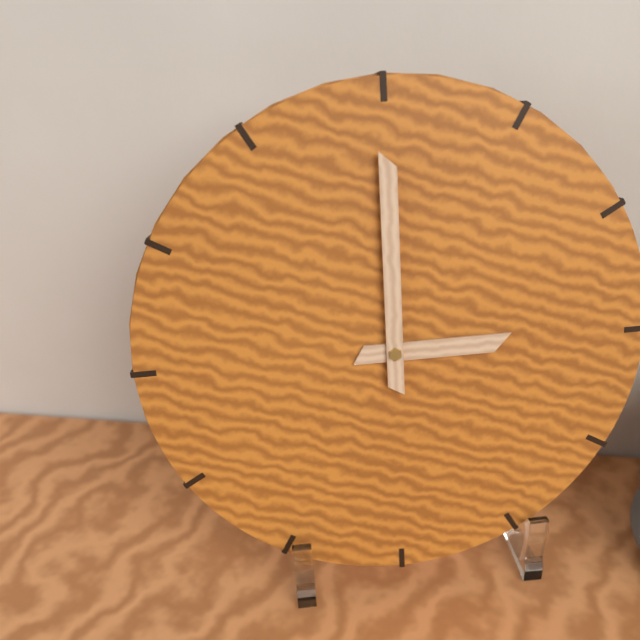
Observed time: 3:00
